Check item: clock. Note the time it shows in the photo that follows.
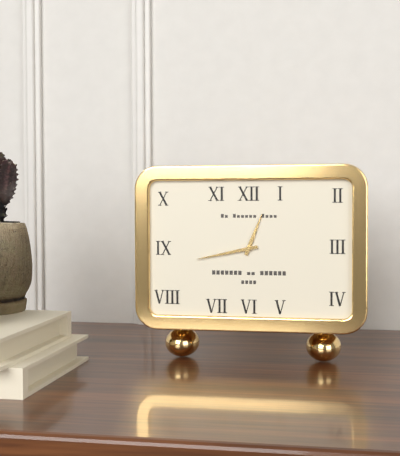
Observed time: 12:43
